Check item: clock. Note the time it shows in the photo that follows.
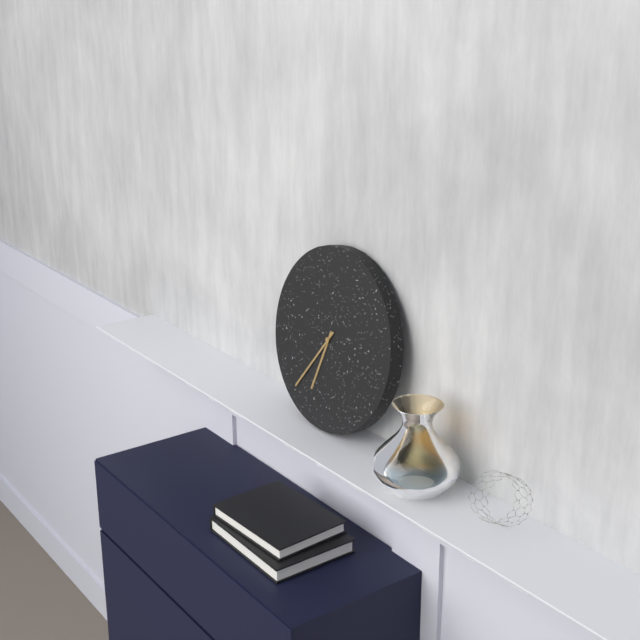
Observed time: 6:36
